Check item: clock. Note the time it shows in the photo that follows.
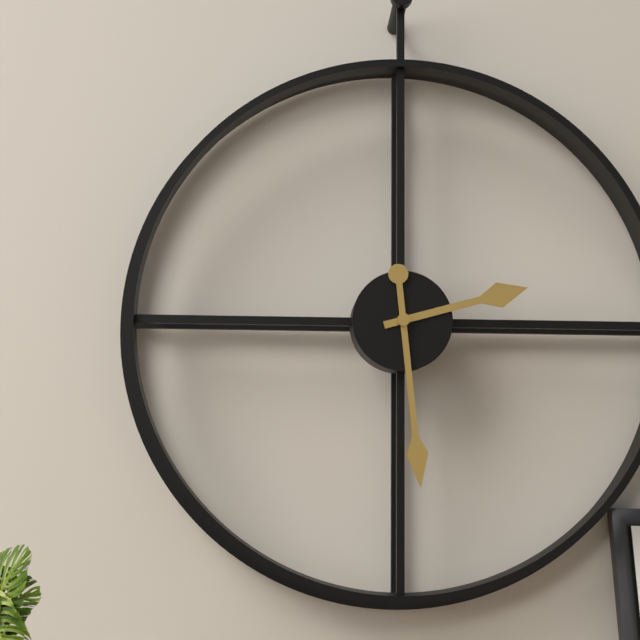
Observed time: 2:29
